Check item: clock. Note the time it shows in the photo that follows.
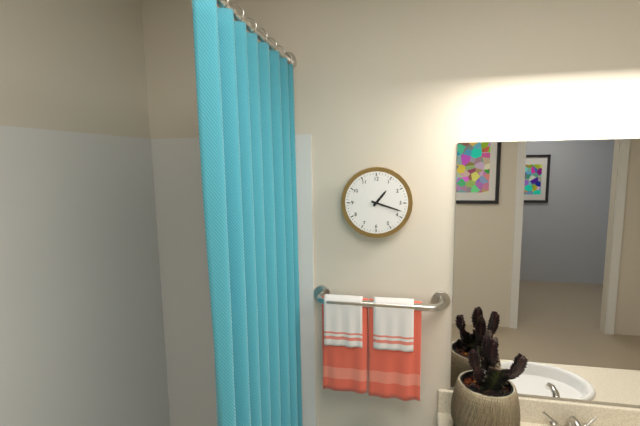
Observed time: 1:18
